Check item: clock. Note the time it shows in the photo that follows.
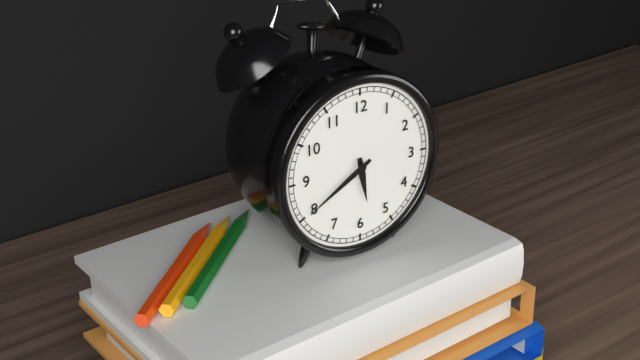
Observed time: 5:40
